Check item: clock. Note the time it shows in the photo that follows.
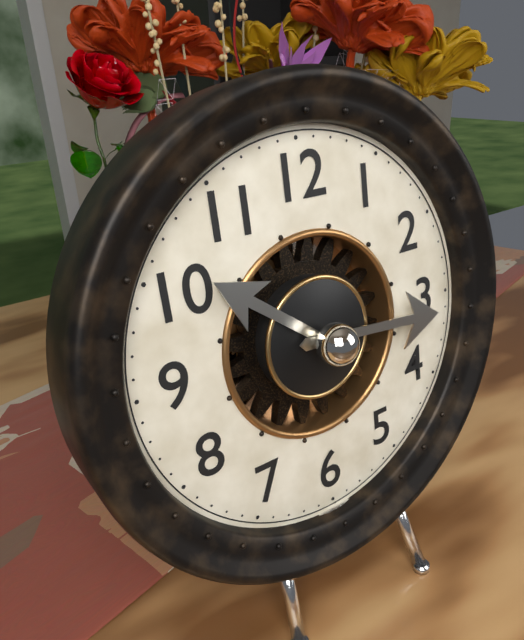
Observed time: 10:16
